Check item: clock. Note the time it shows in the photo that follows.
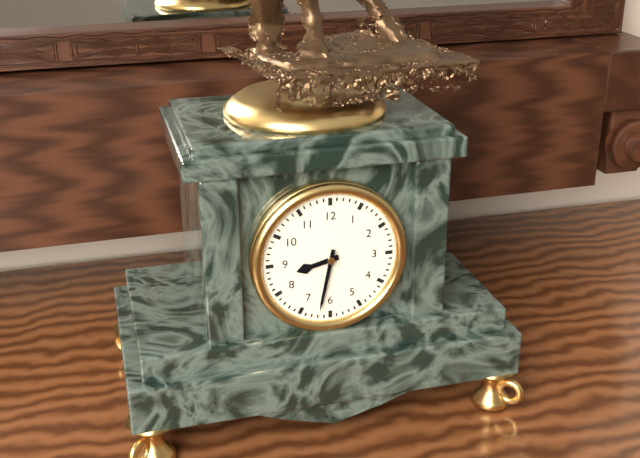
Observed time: 8:32
